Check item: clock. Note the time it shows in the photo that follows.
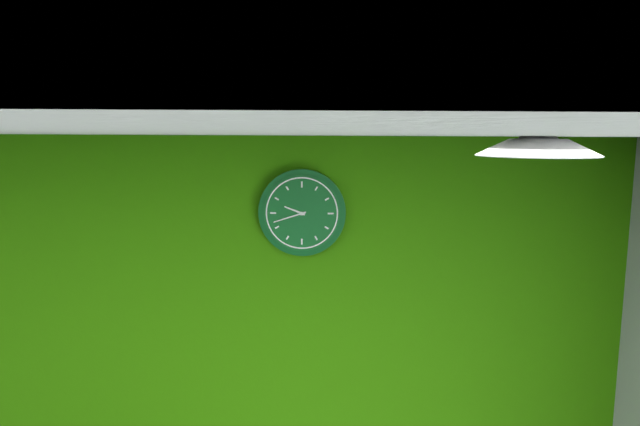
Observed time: 9:42
